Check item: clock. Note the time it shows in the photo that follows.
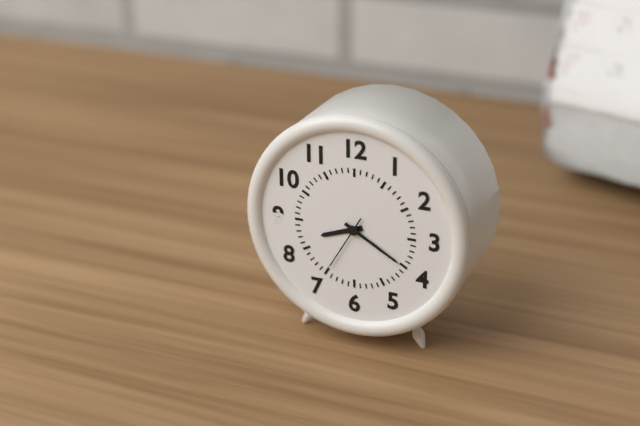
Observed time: 8:20:35
